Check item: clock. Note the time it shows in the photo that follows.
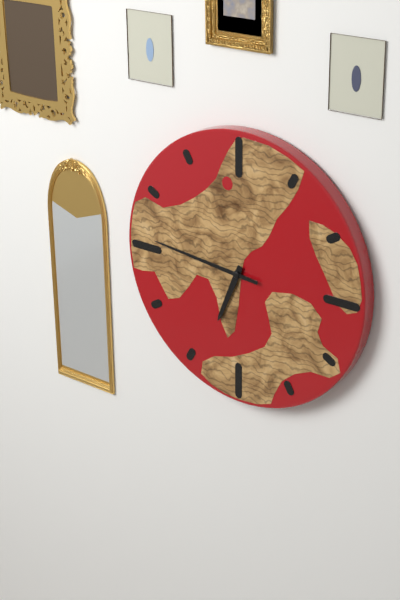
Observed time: 6:46
